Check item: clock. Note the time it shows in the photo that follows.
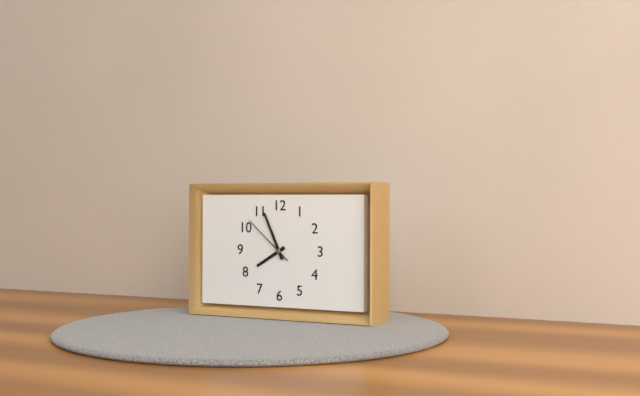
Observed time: 7:56:52
